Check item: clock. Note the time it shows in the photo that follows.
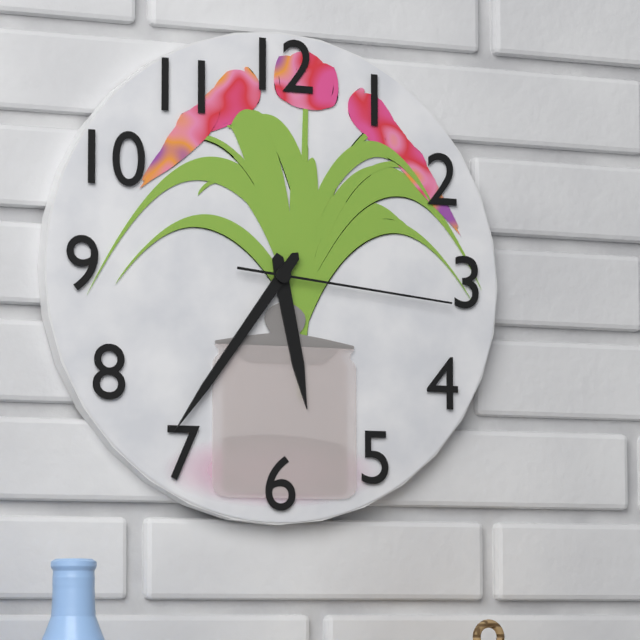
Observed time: 5:36:16
